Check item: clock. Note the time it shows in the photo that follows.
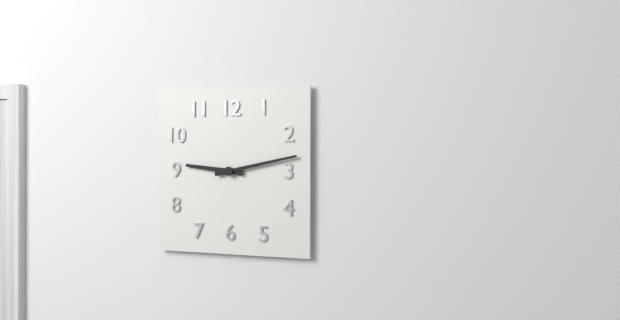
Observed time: 9:13
